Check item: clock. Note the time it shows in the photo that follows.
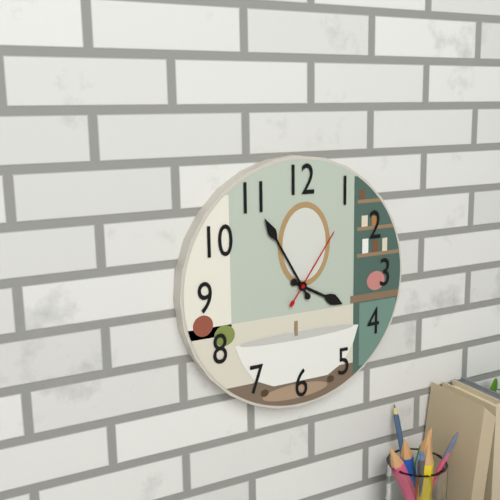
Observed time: 3:55:06
